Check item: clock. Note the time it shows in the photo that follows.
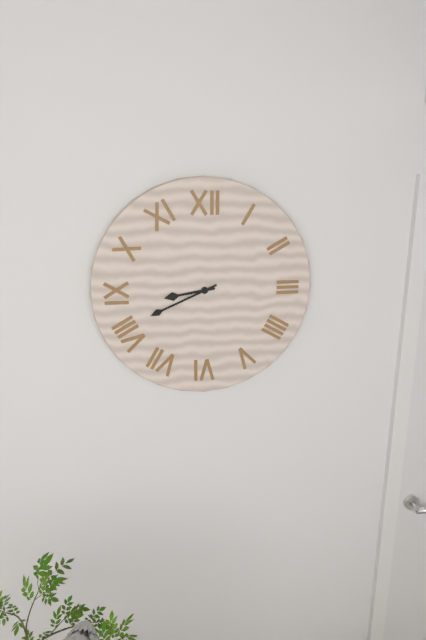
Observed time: 8:41
